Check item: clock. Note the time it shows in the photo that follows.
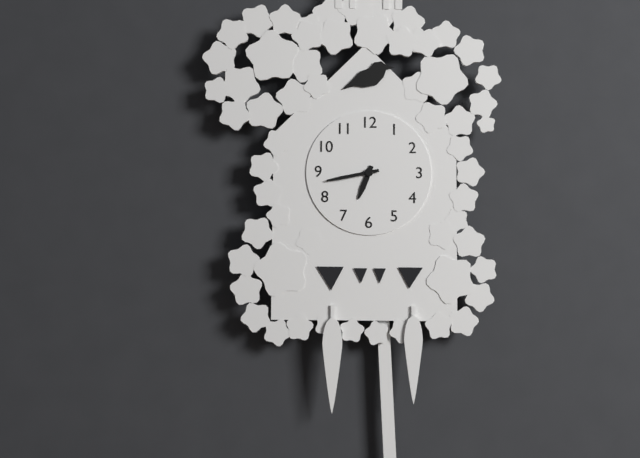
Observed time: 6:43
